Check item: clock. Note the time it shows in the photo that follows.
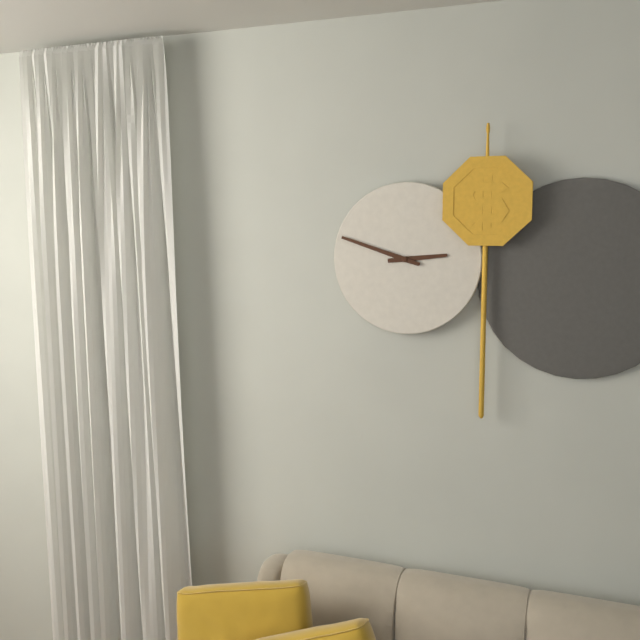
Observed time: 2:48
